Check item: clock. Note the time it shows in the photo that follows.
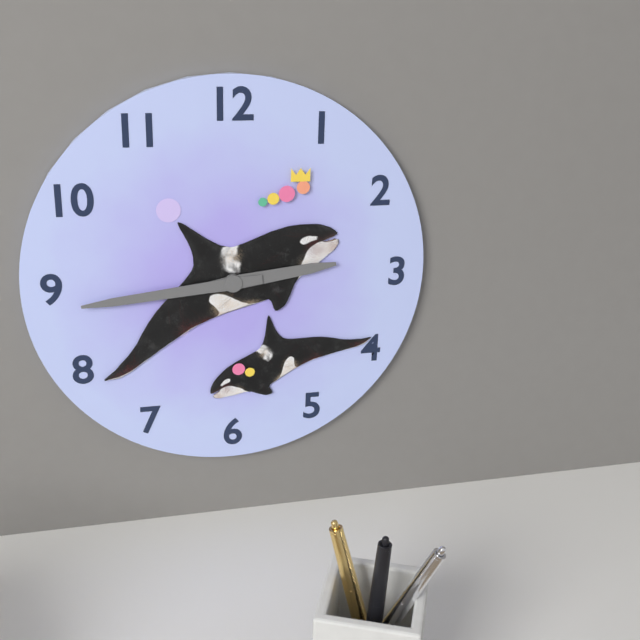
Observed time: 2:44
